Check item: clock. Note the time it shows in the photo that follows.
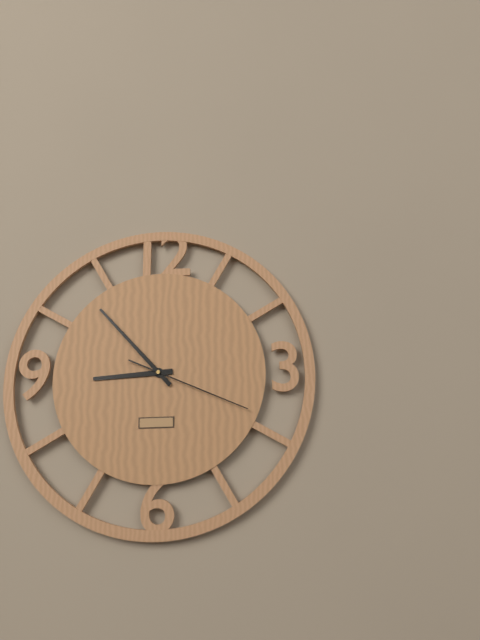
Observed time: 8:53:19
